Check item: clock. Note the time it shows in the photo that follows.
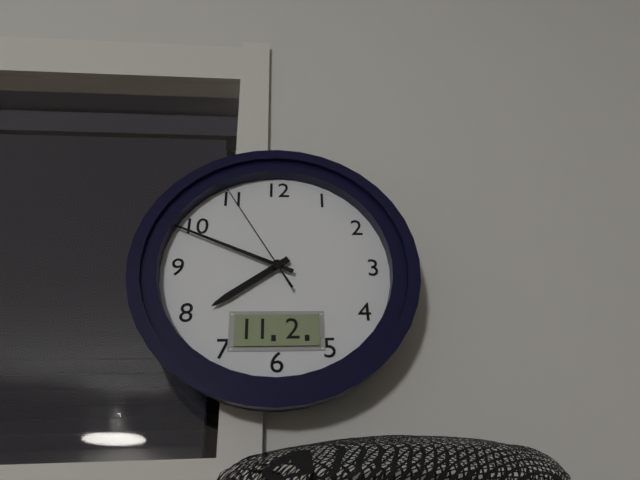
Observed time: 7:49:55
